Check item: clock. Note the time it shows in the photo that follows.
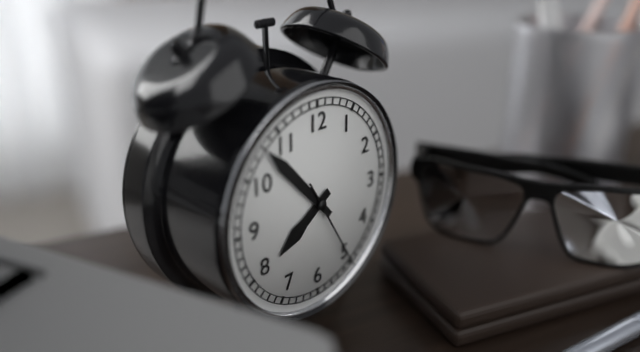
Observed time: 7:53:25
